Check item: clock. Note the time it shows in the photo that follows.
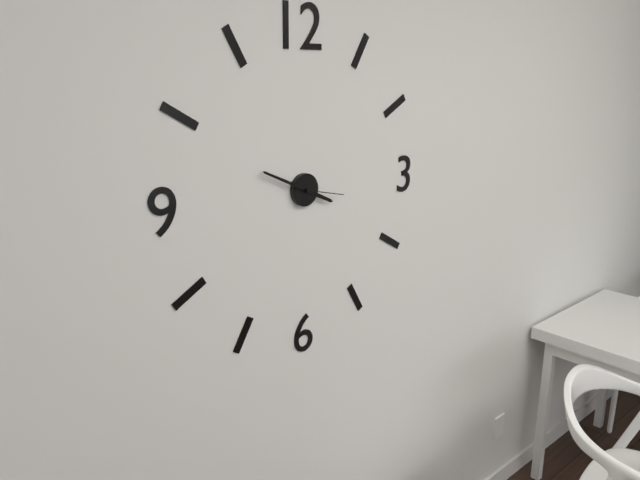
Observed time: 3:49:17
